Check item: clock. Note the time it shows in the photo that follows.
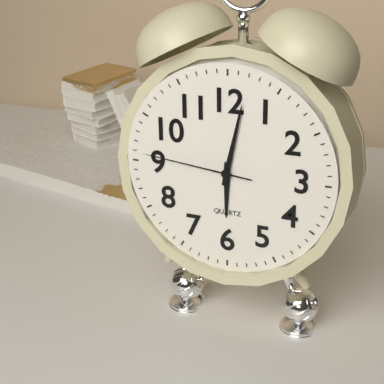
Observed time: 6:02:46
